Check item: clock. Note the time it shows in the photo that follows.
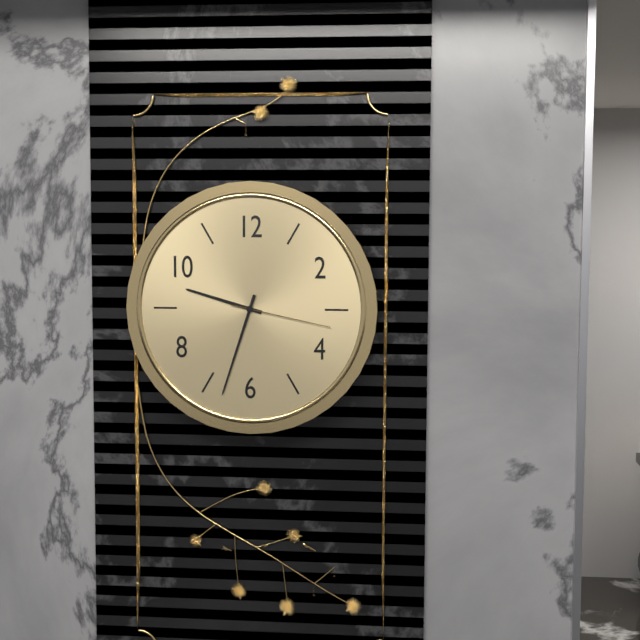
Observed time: 9:33:17
